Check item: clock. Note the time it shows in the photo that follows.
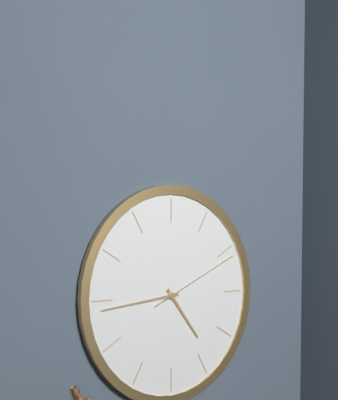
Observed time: 4:44:11
